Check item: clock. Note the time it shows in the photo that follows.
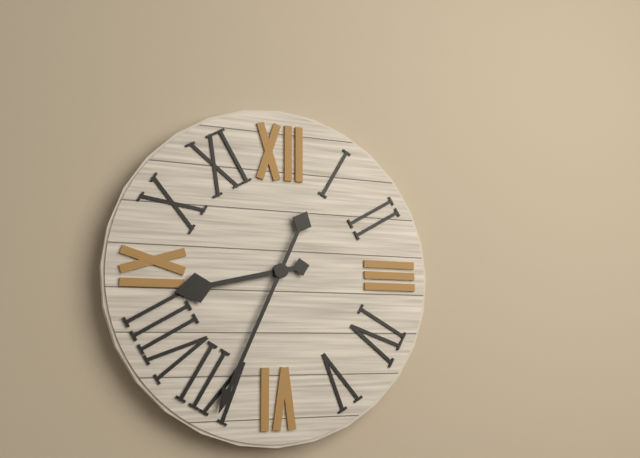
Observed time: 8:34
